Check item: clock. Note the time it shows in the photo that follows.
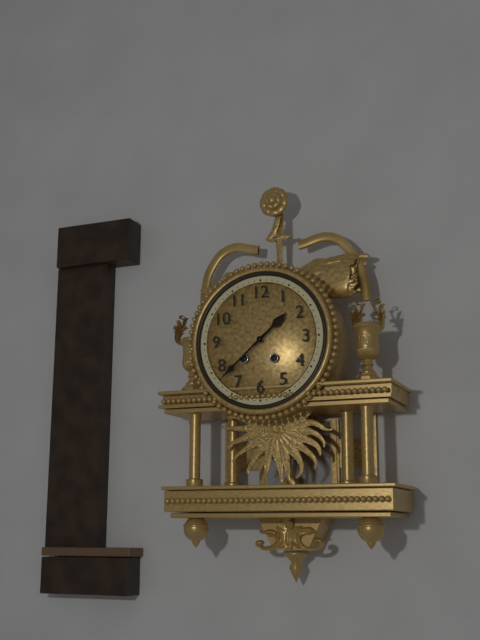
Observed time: 1:38
